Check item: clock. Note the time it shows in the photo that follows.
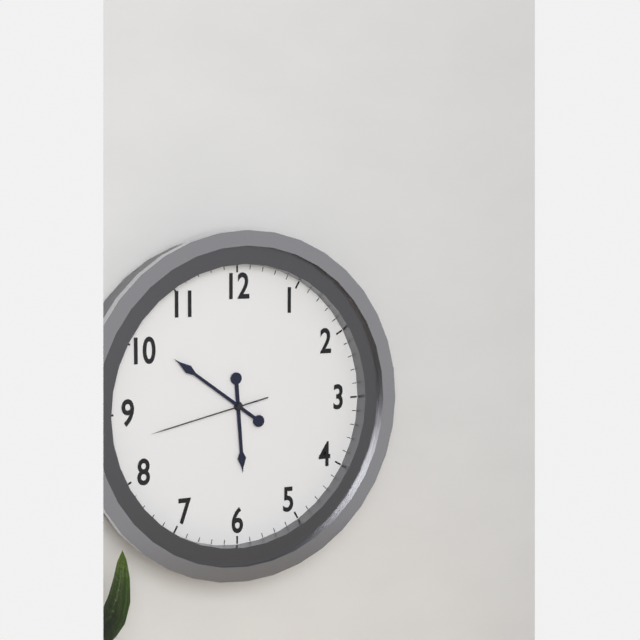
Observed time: 5:51:43
